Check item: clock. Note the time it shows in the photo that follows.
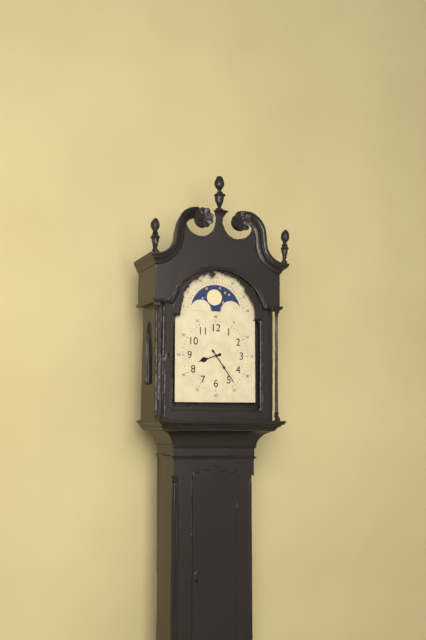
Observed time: 8:24
